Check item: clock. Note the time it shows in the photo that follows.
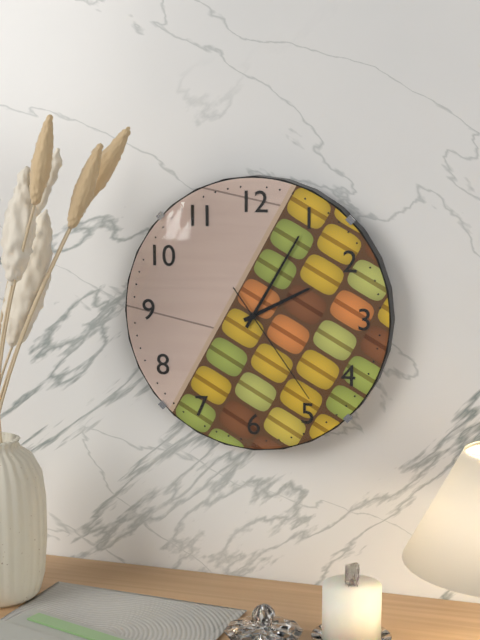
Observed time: 2:05:24
